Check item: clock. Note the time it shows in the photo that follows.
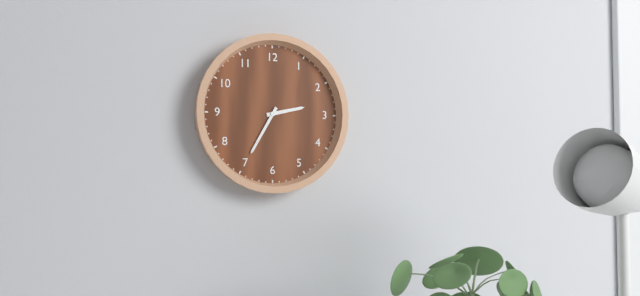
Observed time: 2:35
